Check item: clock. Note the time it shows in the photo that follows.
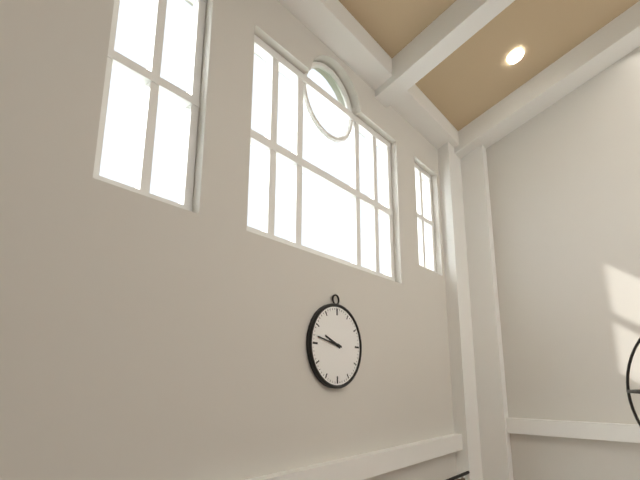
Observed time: 9:47
